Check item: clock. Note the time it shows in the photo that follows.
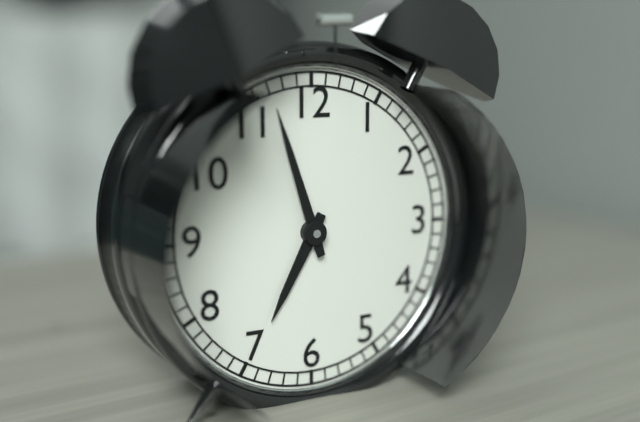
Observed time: 6:57
